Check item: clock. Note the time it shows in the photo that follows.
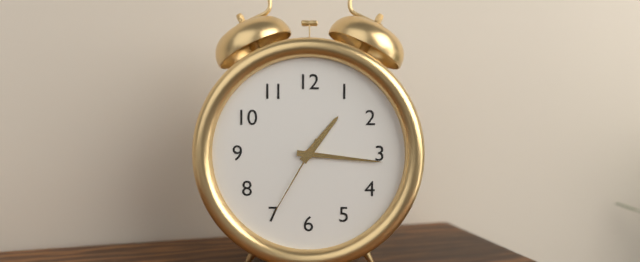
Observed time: 1:16:35
